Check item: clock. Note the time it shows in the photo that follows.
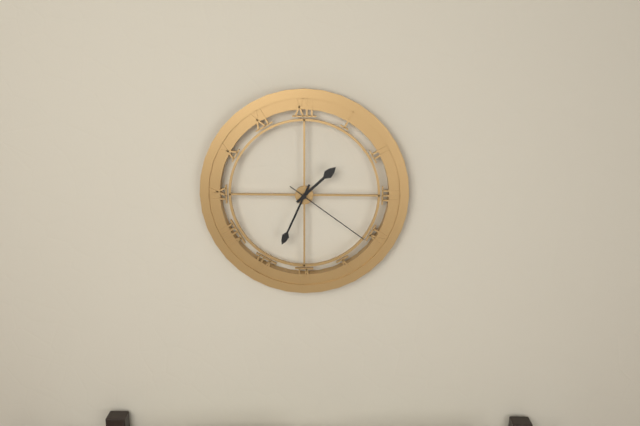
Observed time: 1:34:21
